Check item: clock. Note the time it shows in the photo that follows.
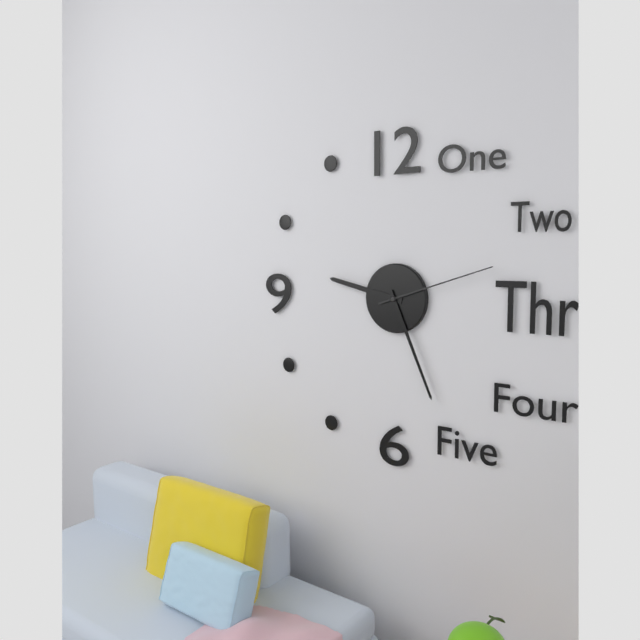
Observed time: 9:26:12
